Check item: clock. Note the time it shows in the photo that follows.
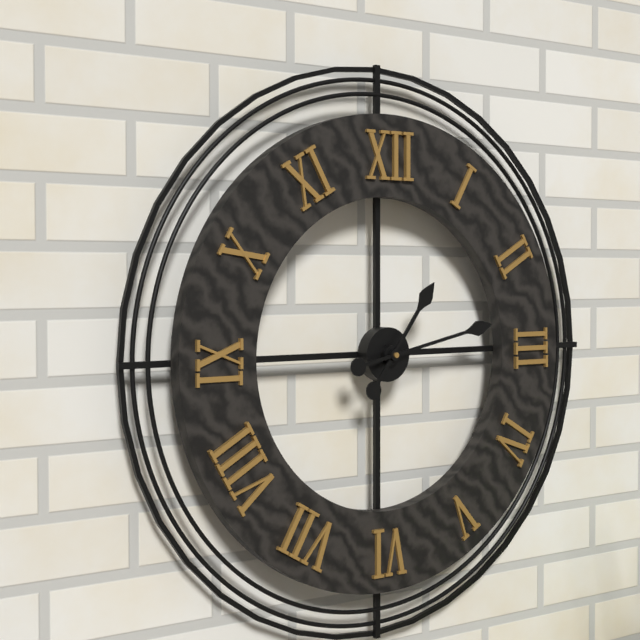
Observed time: 1:13
